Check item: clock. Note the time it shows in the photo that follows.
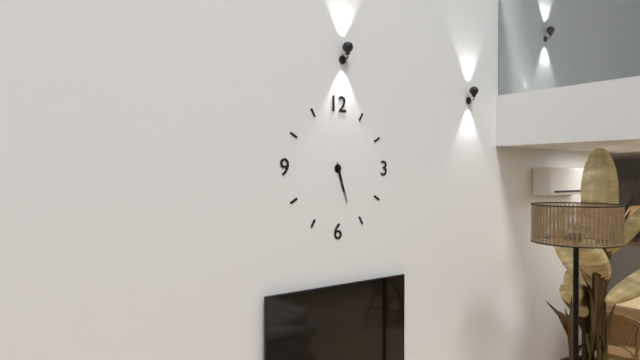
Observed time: 5:27
